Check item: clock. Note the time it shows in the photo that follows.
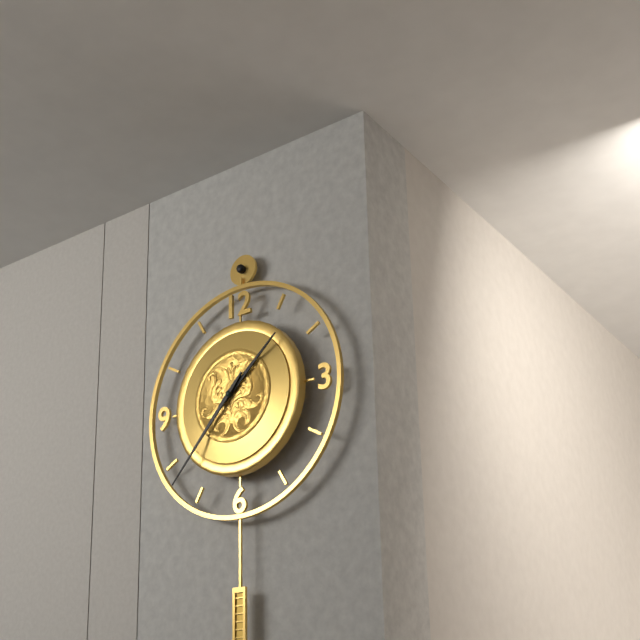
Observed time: 1:37
